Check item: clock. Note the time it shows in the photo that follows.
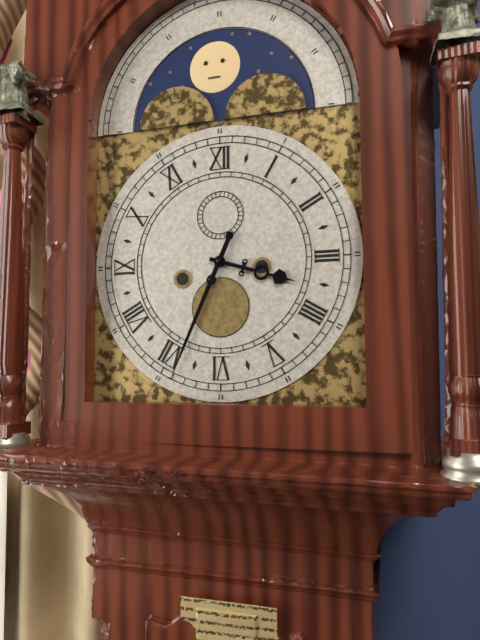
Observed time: 3:34
